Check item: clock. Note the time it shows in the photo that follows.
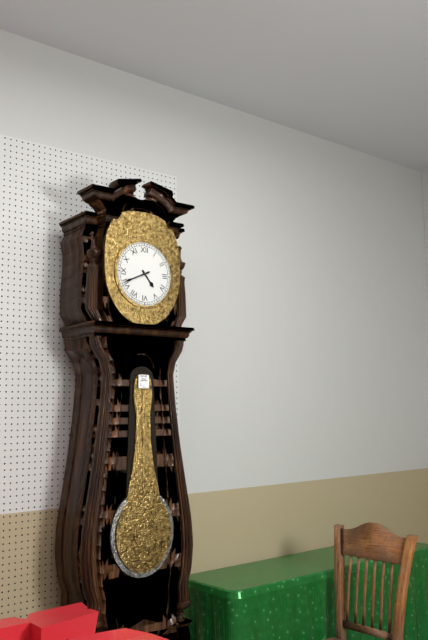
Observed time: 4:41
